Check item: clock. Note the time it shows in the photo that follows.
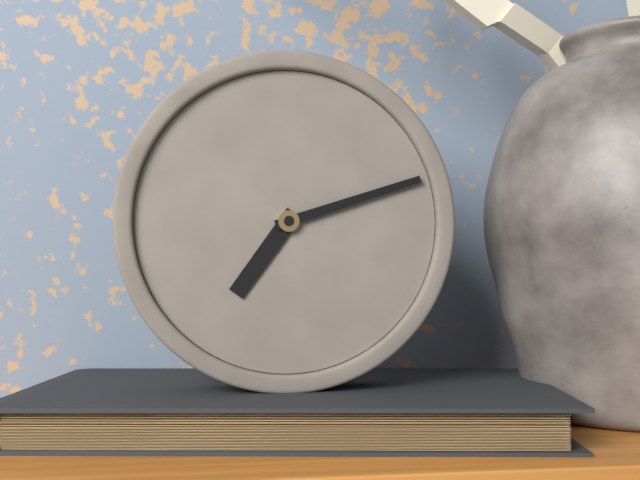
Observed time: 7:12
